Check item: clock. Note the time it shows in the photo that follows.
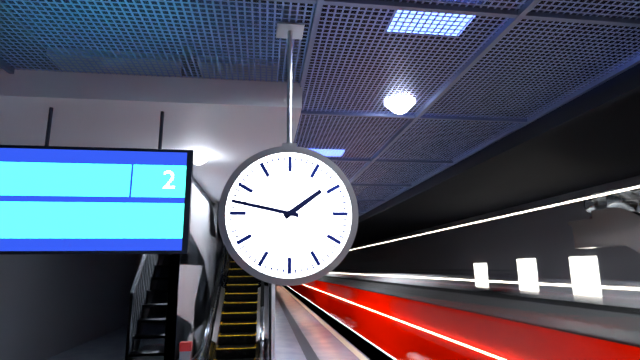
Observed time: 1:47
